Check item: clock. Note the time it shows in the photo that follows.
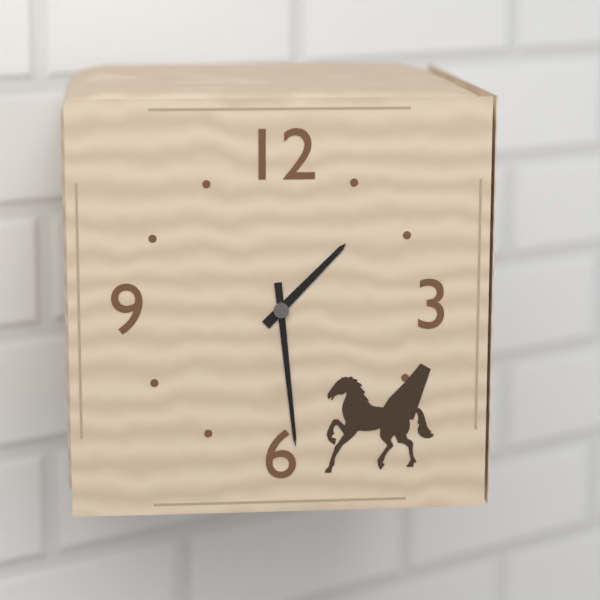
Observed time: 1:29
